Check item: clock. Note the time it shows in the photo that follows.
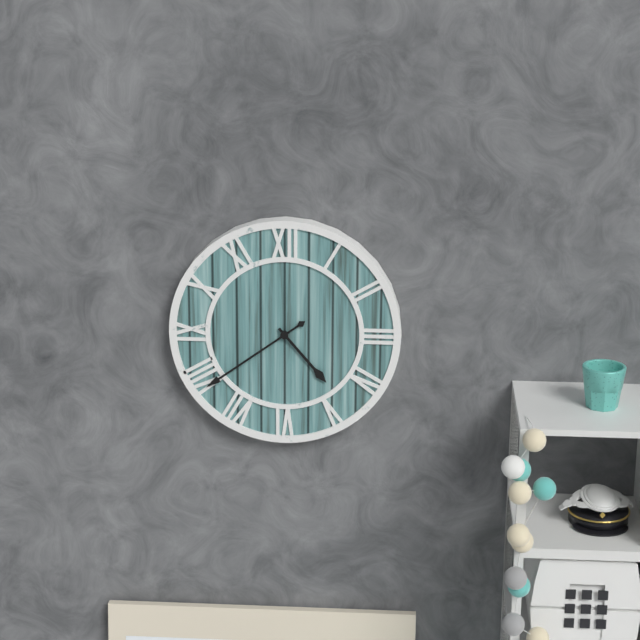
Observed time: 4:39
